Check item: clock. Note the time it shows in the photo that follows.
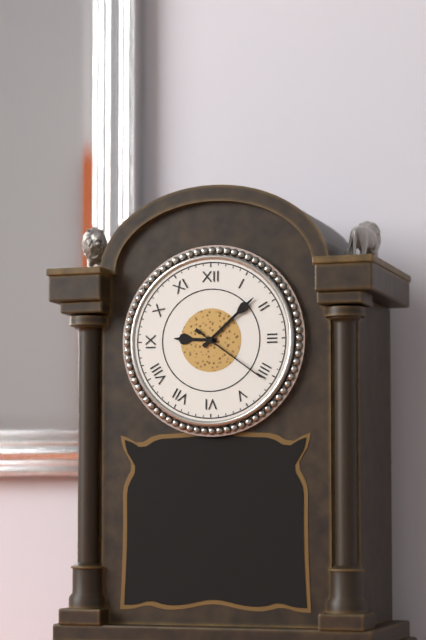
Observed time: 9:08:21
